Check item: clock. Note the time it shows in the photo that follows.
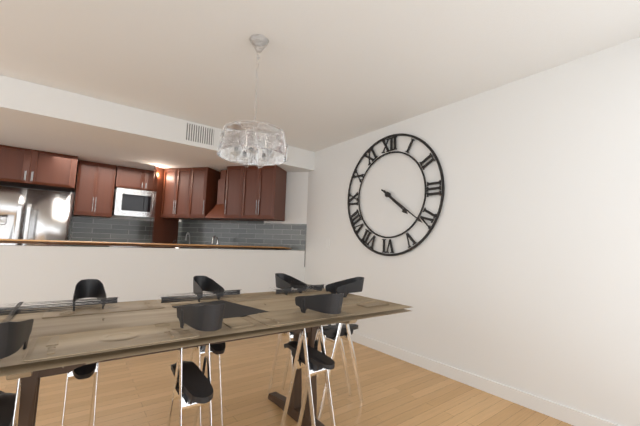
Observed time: 4:21
